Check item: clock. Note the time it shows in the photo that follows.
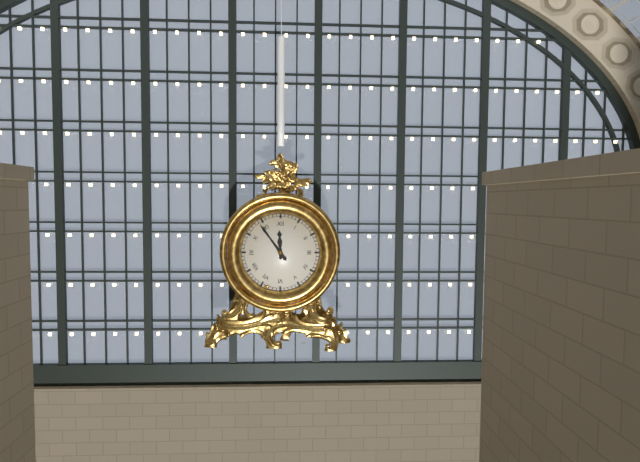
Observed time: 11:54
